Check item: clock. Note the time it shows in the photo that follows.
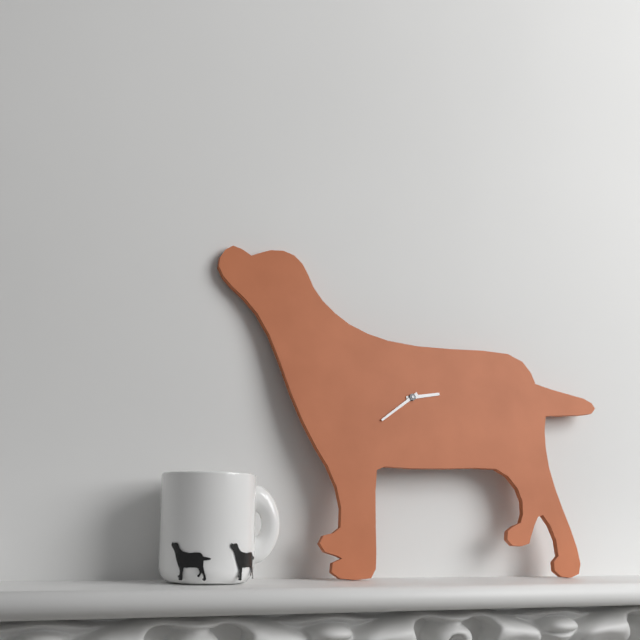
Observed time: 2:39
